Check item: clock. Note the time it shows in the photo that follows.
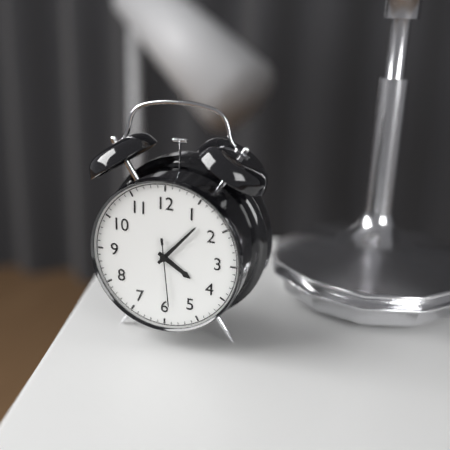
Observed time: 4:07:29
